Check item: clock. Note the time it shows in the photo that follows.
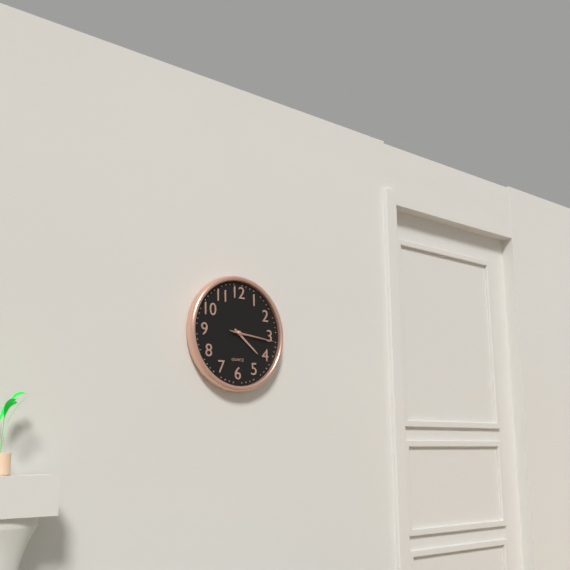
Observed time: 4:16
